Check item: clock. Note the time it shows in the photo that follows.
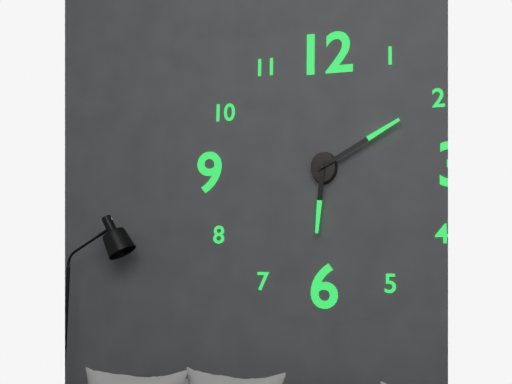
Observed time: 6:10
